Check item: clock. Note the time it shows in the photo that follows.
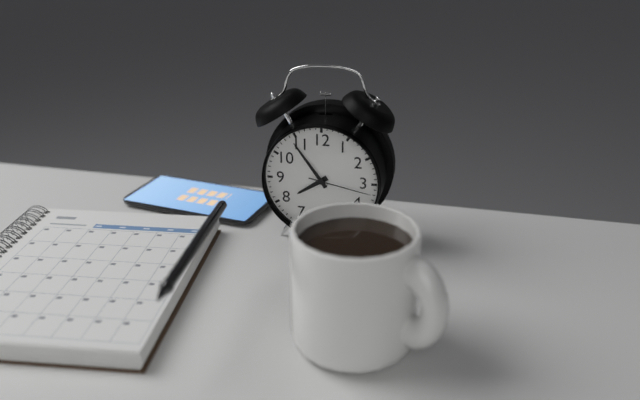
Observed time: 7:54:17
